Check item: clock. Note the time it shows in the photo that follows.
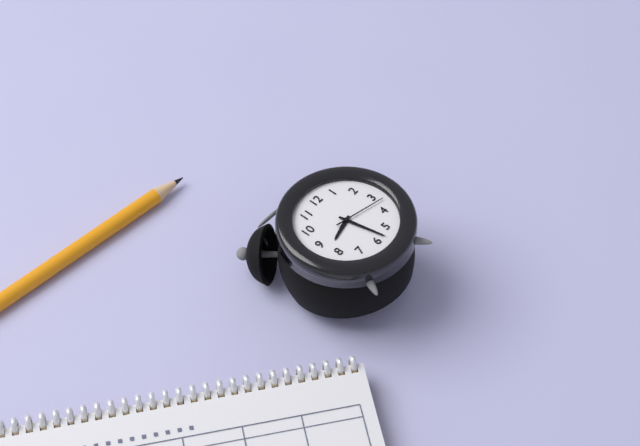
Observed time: 8:28:17
